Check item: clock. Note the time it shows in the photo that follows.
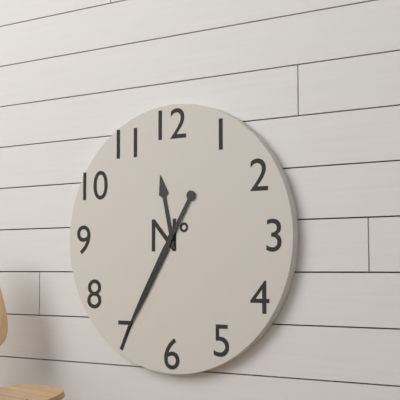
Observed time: 11:35
